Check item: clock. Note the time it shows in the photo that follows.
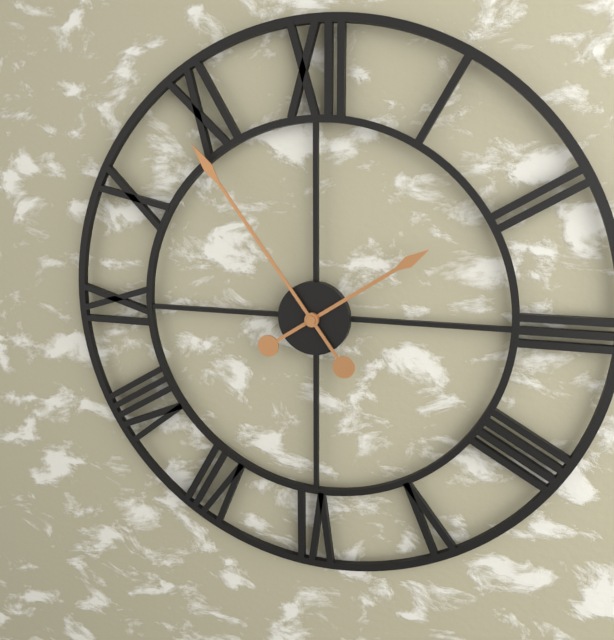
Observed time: 1:54
